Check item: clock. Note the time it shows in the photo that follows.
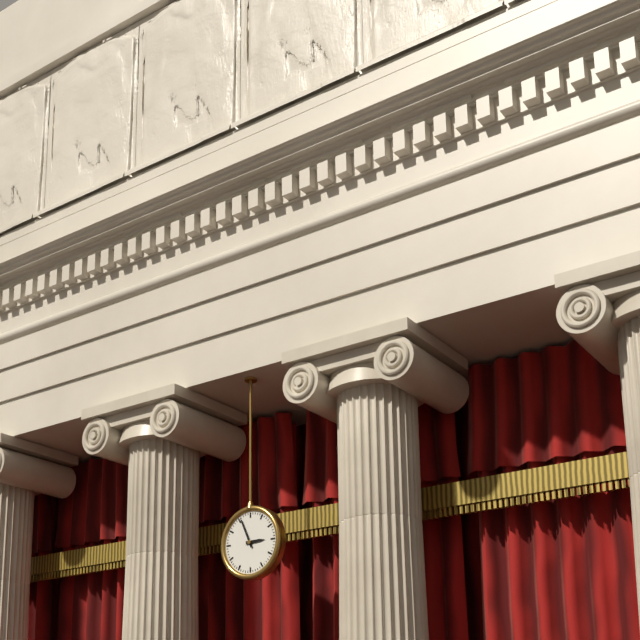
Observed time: 2:56
